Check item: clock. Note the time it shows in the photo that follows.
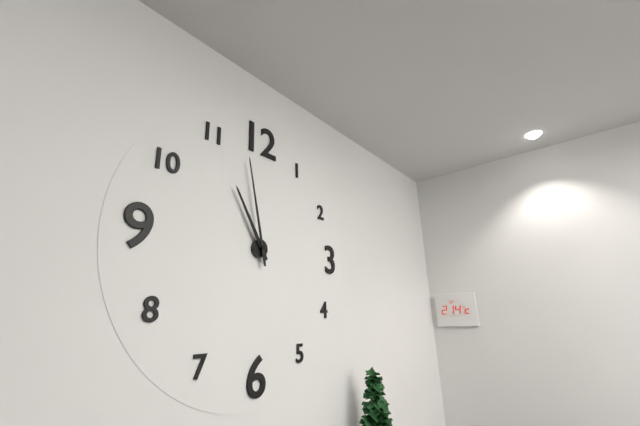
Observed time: 10:58
